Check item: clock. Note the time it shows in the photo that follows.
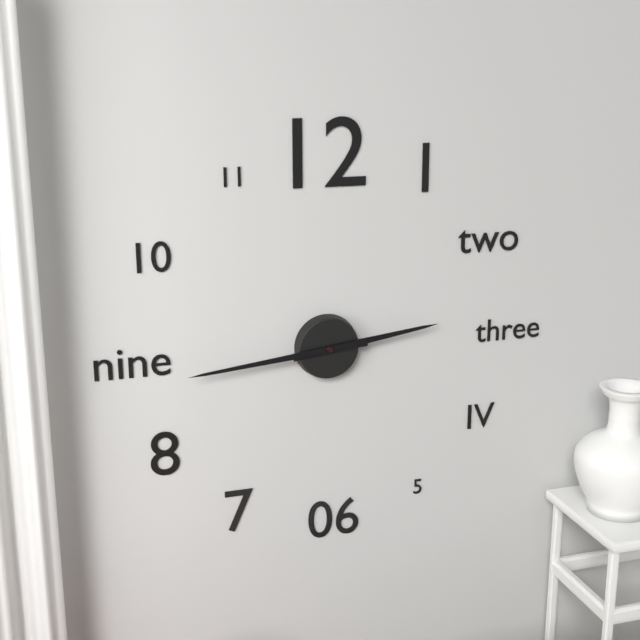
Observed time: 2:44
